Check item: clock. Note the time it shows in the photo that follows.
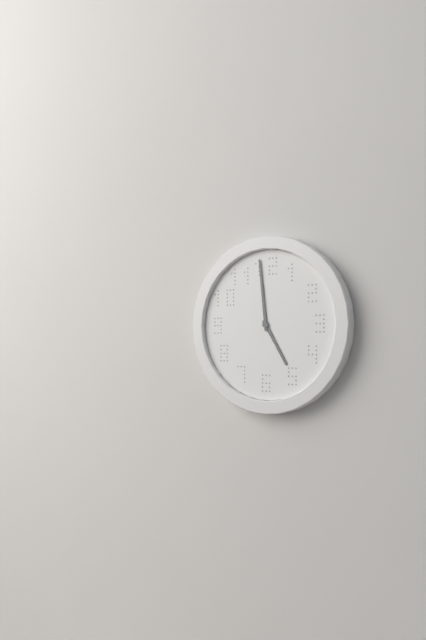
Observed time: 4:59
